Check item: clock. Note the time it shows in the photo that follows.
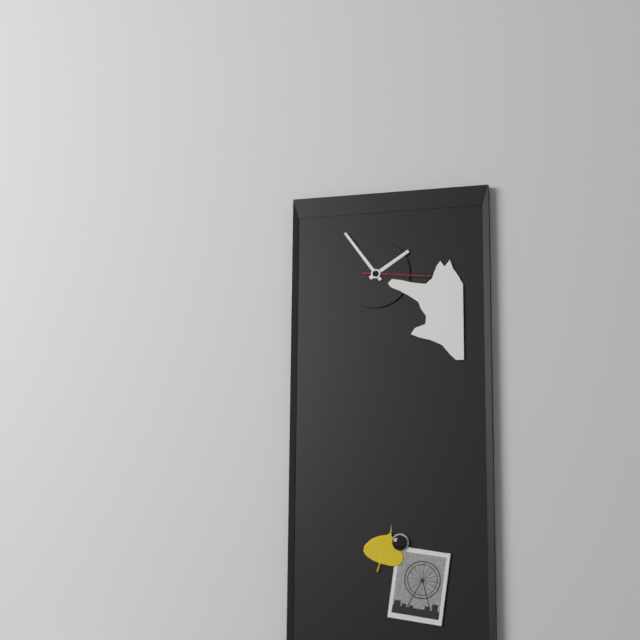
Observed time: 1:54:16
